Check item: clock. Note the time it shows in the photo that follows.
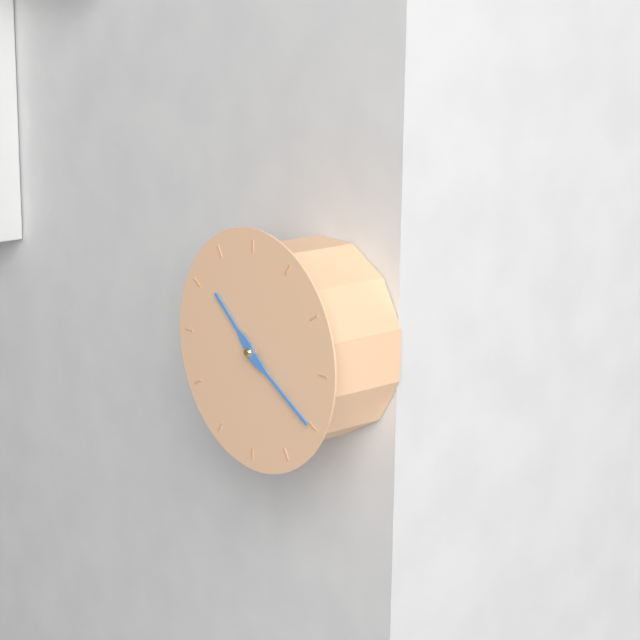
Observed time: 10:20
